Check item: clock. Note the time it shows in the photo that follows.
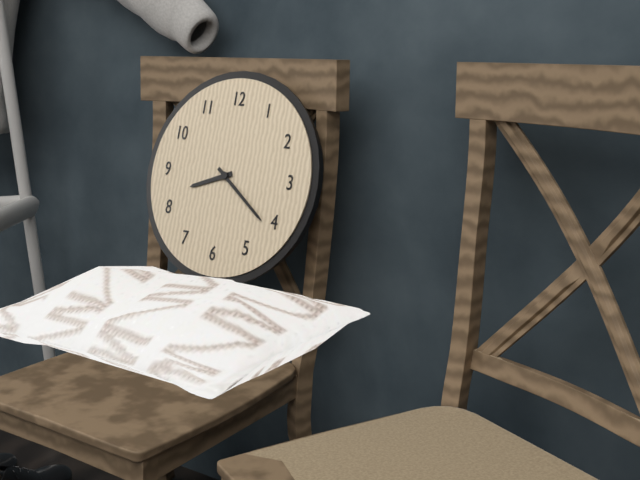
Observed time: 8:21
